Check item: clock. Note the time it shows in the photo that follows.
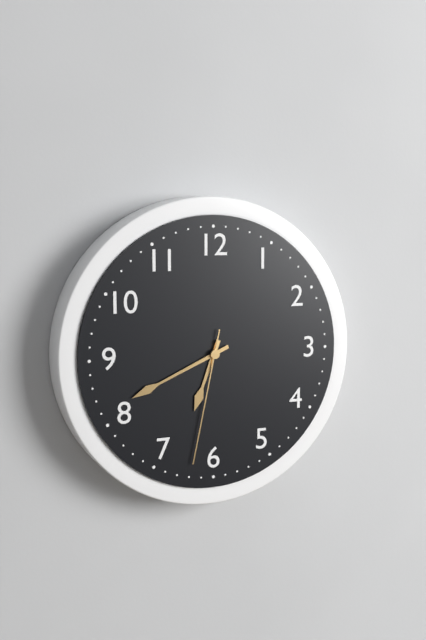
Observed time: 6:41:32
